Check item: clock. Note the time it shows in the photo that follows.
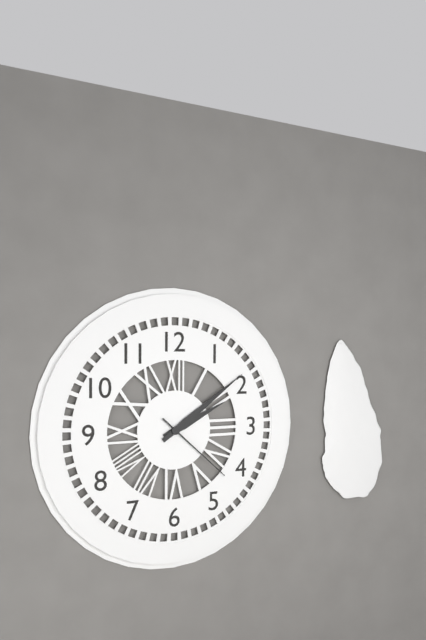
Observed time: 2:09:22
